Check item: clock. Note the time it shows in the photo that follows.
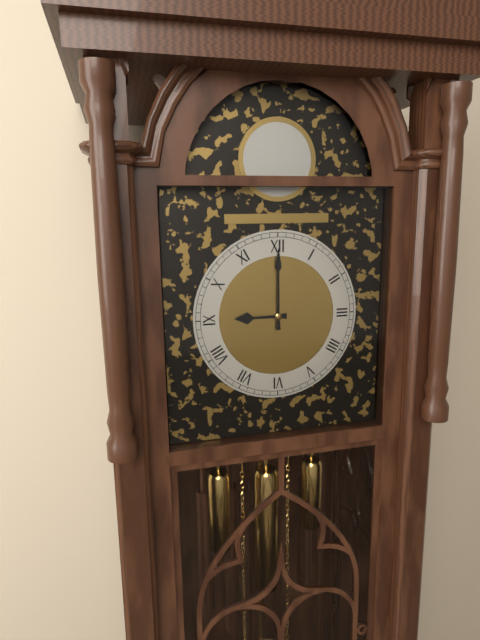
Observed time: 9:00
